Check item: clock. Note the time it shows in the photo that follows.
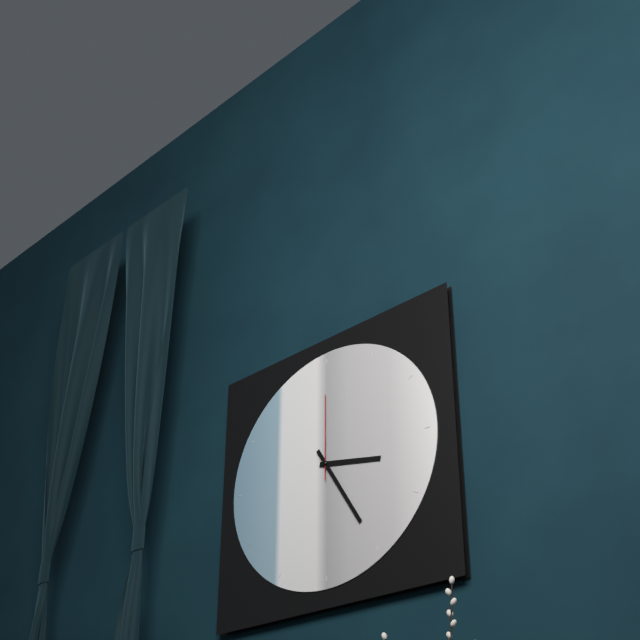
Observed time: 3:25:00
